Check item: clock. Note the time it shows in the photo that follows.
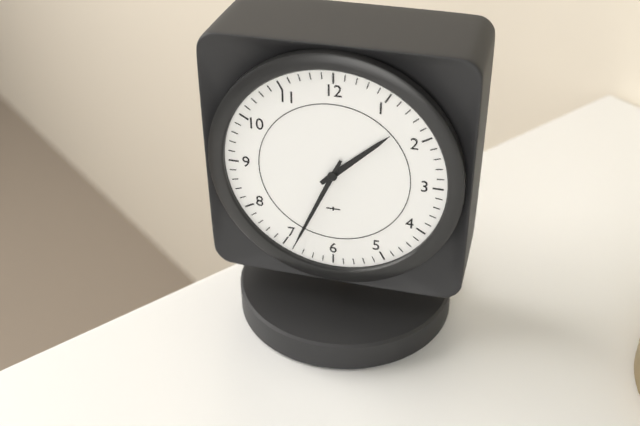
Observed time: 1:34
